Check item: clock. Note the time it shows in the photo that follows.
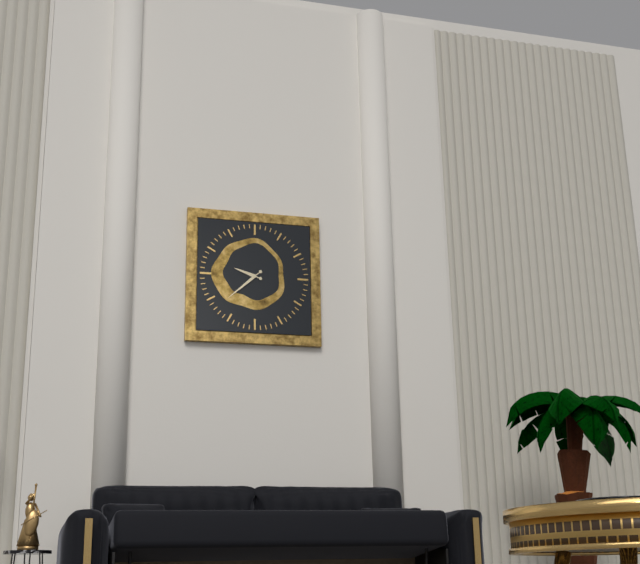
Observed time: 9:38
